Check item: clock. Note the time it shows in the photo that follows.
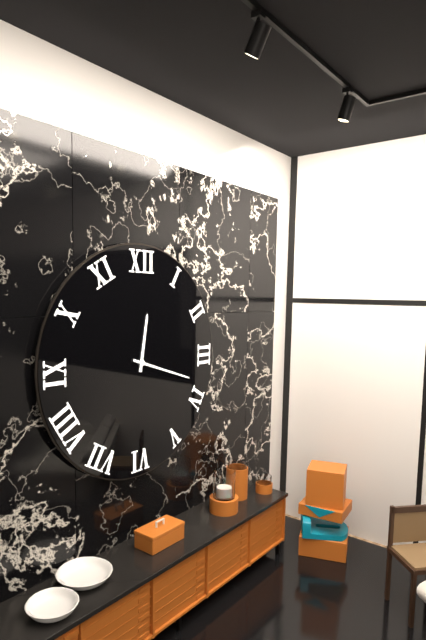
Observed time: 12:18
